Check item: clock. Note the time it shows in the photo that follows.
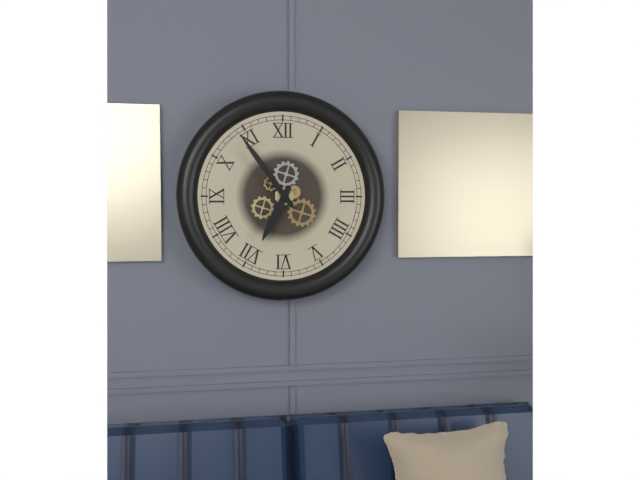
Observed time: 6:54
